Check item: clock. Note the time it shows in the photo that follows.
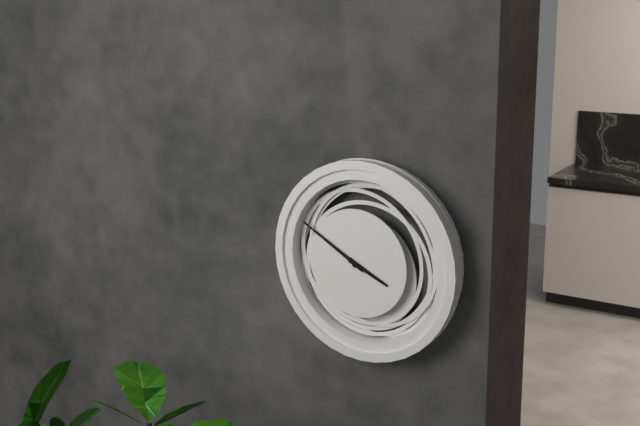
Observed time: 3:50
